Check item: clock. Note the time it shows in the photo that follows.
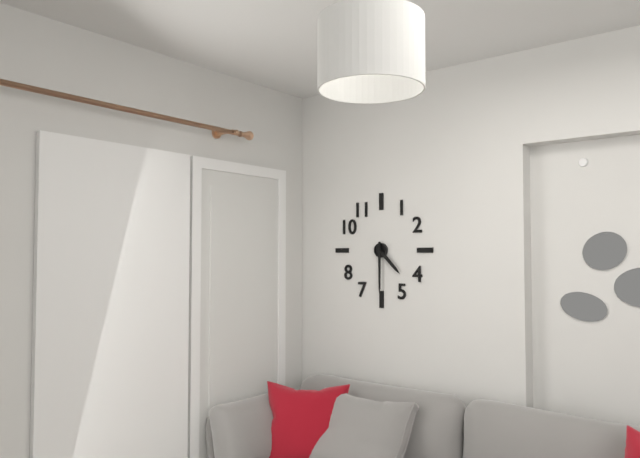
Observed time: 4:30
